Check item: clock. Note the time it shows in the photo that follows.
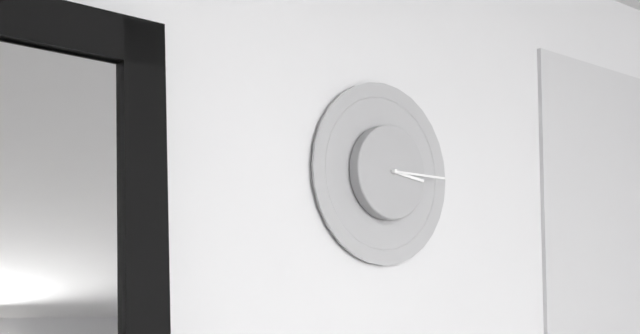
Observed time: 3:15
